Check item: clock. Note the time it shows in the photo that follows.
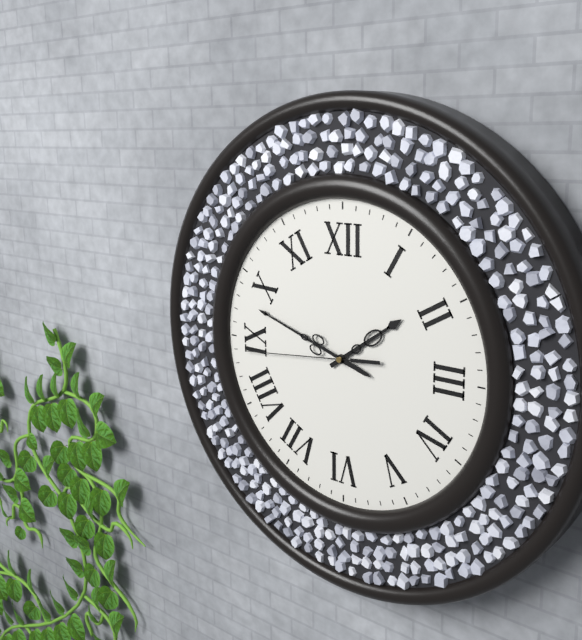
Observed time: 1:48:44
